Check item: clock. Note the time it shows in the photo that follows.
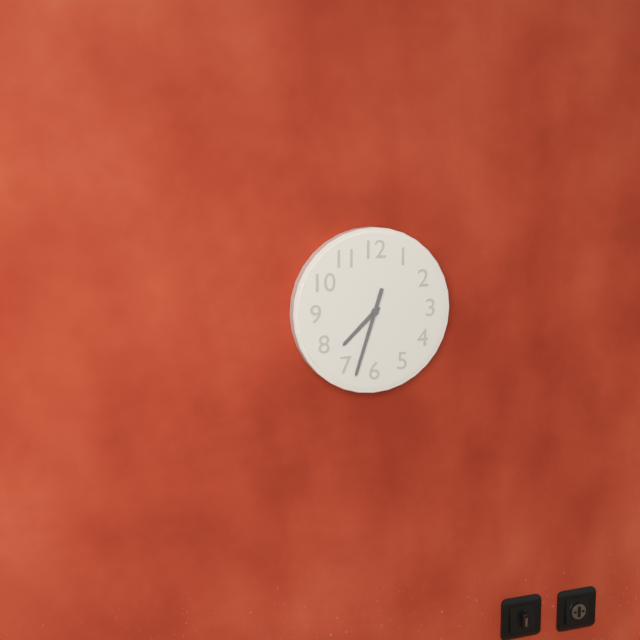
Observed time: 7:33
